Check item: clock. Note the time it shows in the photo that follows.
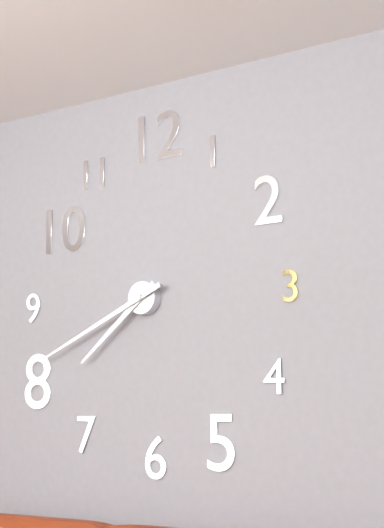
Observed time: 7:41
